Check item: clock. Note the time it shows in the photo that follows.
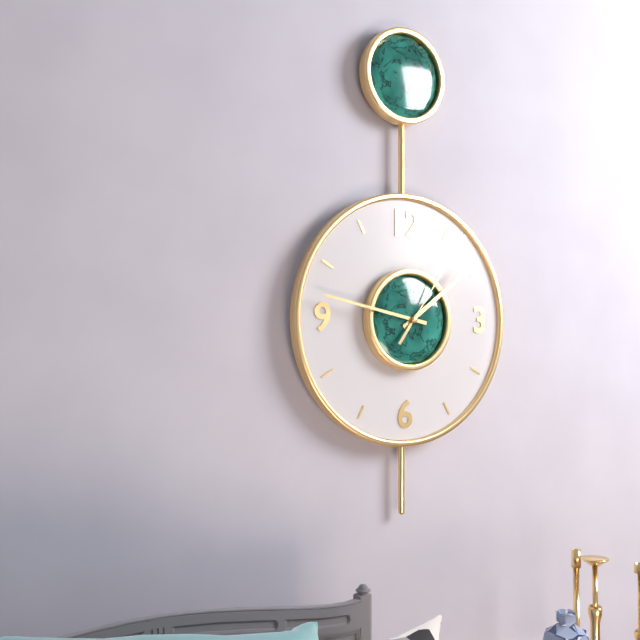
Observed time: 1:47:06
